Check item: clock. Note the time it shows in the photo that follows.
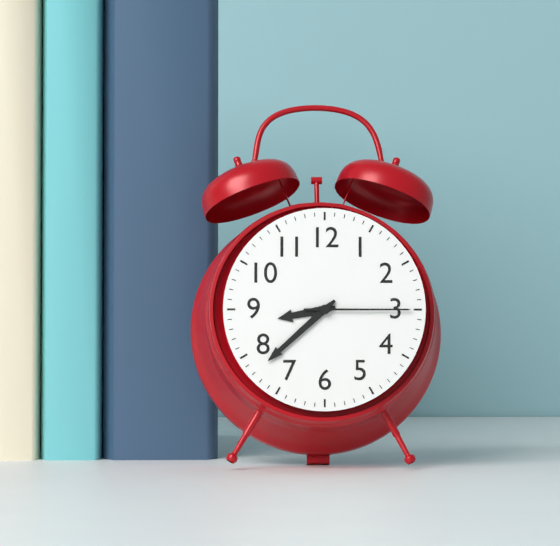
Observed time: 8:38:15
